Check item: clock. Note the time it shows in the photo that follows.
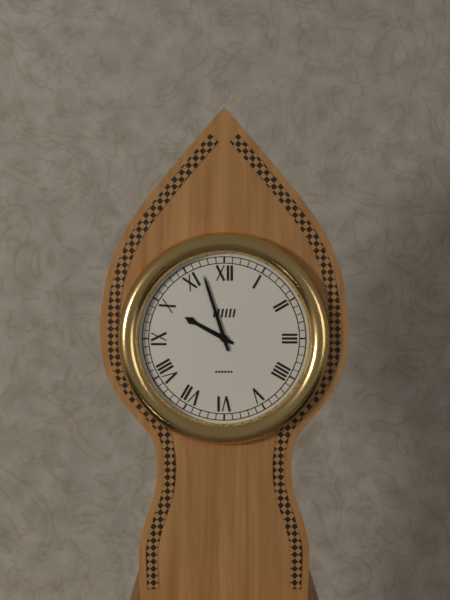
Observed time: 9:57
